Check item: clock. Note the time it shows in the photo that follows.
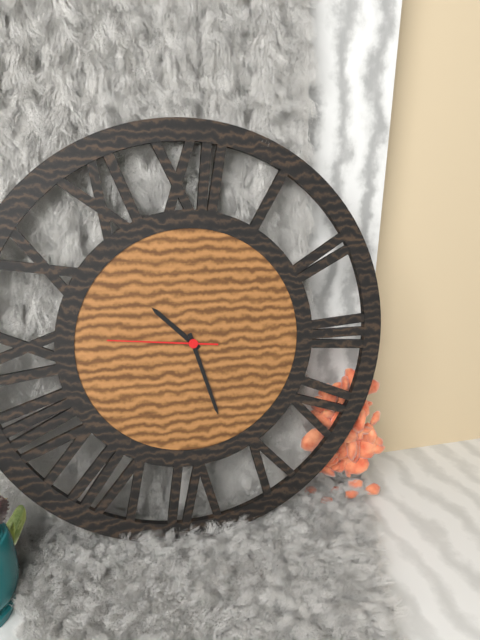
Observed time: 10:27:46
